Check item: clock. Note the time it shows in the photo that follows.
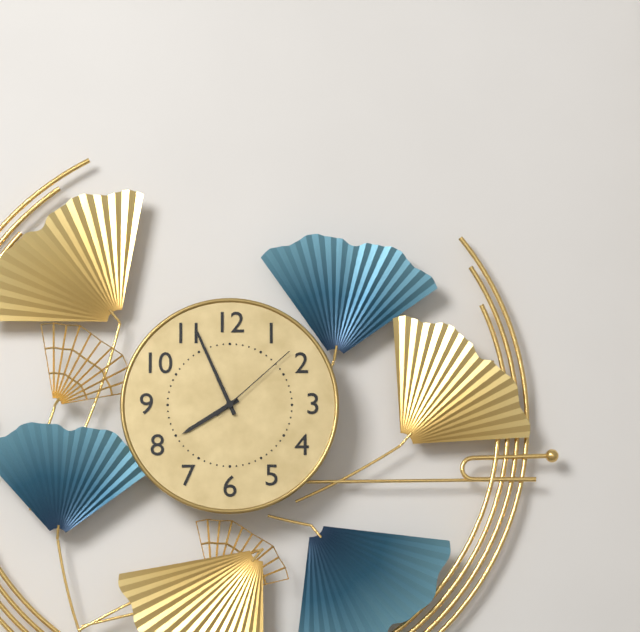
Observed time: 7:56:08
